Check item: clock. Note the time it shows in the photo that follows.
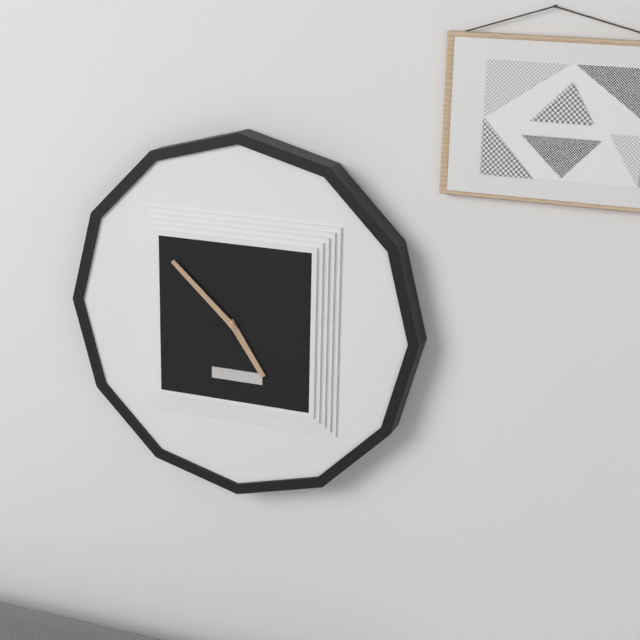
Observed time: 4:52
